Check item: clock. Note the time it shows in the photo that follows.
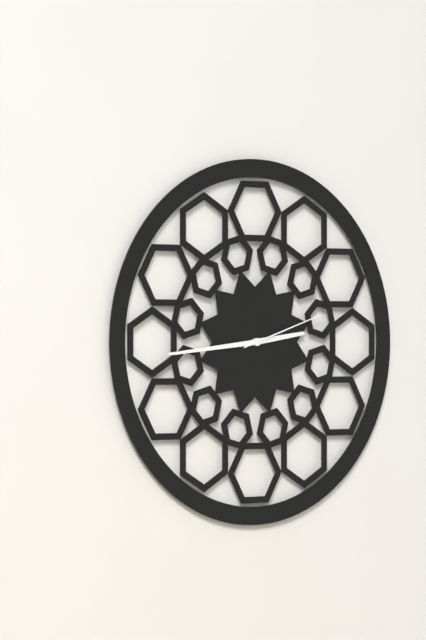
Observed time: 2:44:12
